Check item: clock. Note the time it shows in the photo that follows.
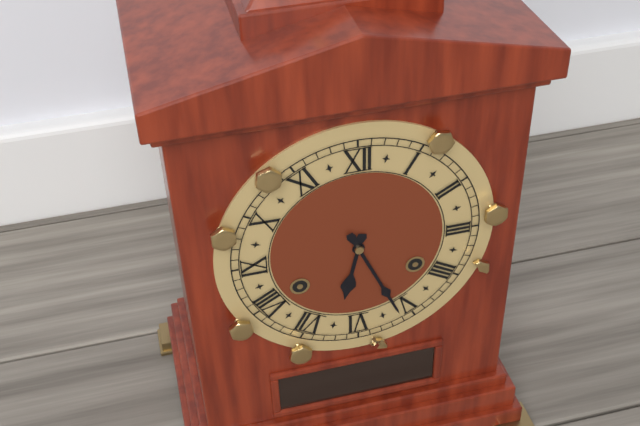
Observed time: 6:26
